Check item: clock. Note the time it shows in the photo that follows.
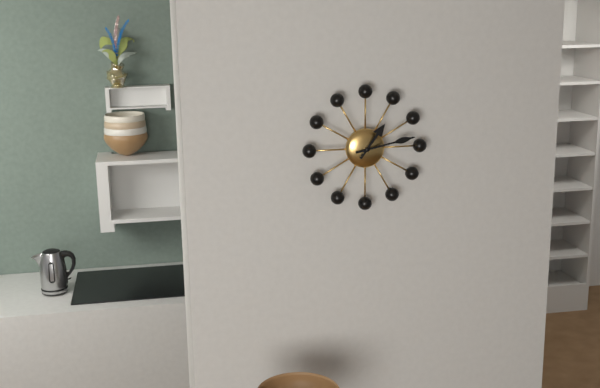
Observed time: 1:13
